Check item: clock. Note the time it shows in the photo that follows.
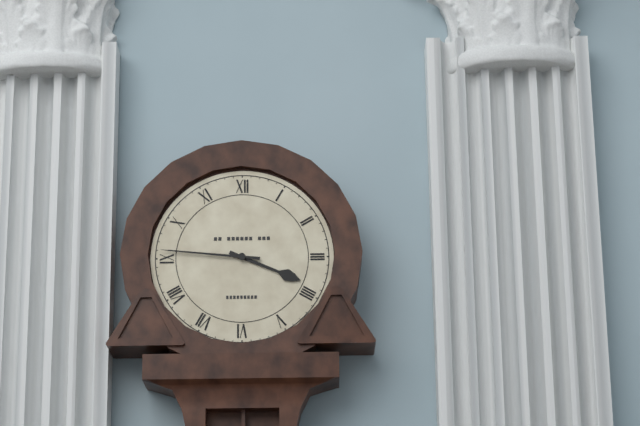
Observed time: 3:46
